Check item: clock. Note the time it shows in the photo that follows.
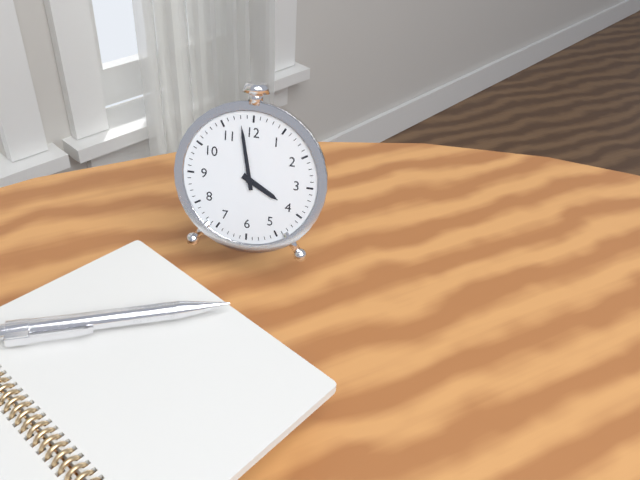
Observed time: 3:58
